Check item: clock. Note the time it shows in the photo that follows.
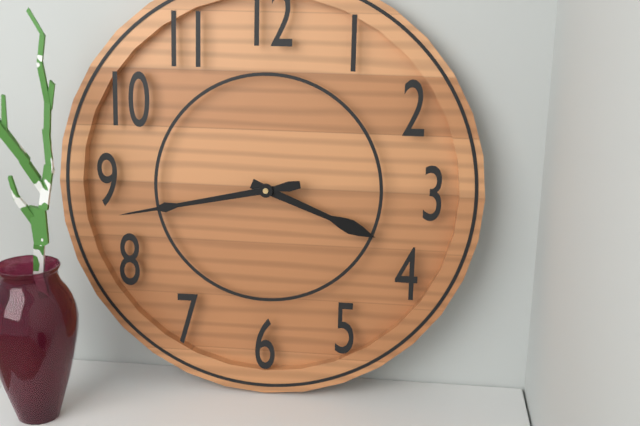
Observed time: 3:43
